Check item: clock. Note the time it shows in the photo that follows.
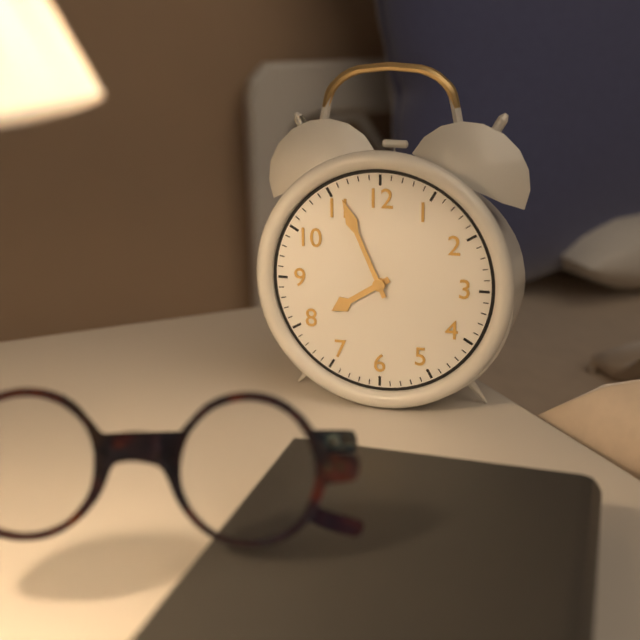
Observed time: 7:56
